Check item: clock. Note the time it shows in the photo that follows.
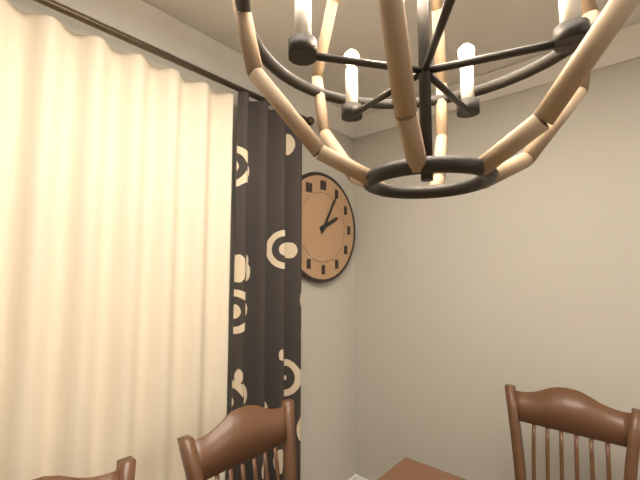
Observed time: 2:05
